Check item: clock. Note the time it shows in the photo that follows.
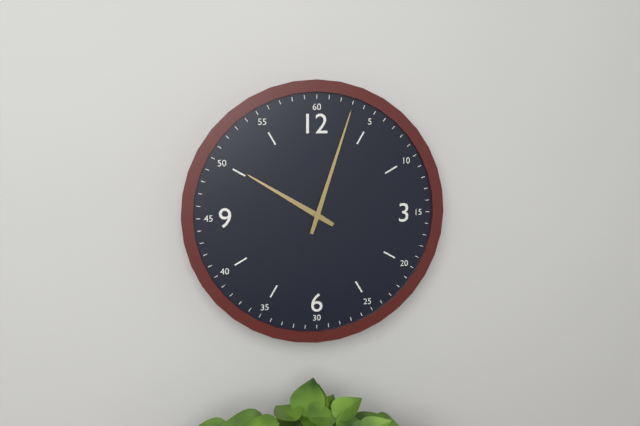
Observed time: 10:03
